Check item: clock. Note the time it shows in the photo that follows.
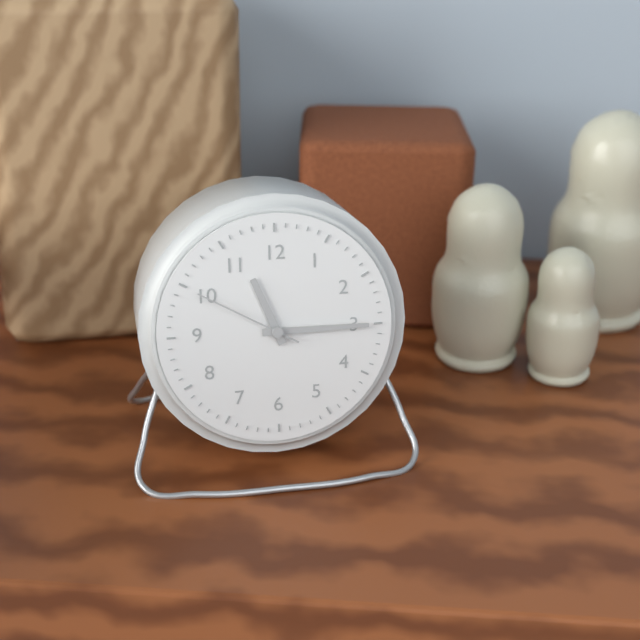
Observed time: 11:15:50
